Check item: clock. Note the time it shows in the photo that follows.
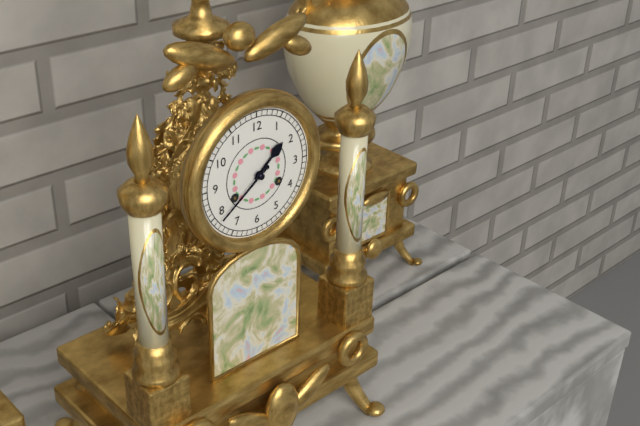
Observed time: 1:39
